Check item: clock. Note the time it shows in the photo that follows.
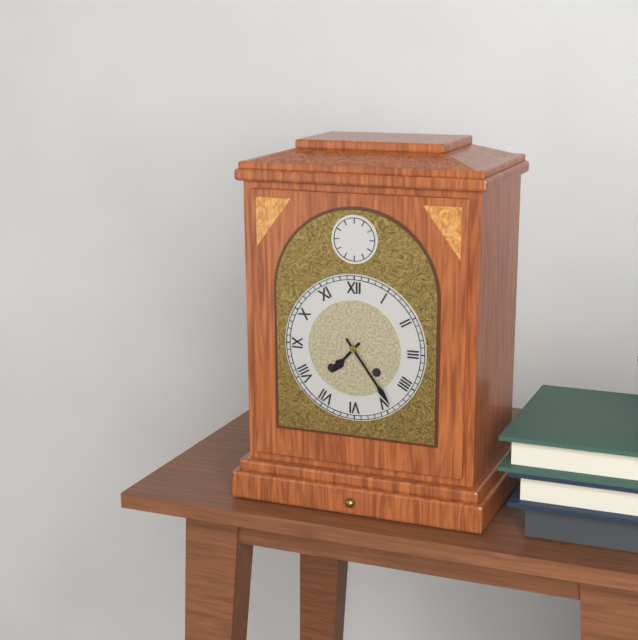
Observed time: 7:24
